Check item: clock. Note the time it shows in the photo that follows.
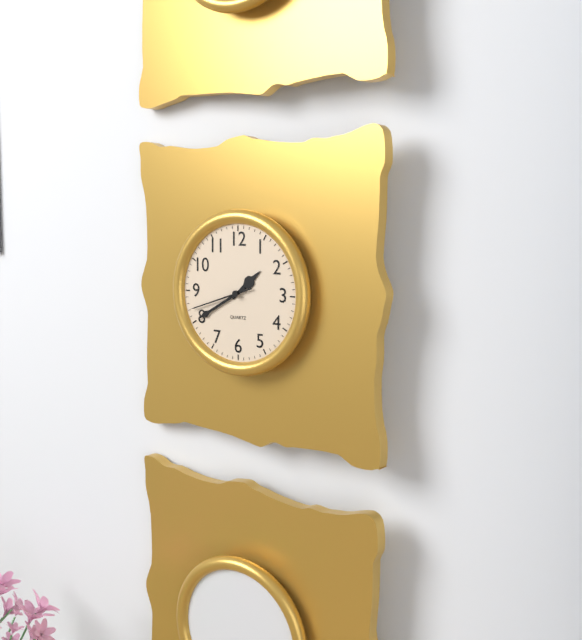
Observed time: 1:40:42
